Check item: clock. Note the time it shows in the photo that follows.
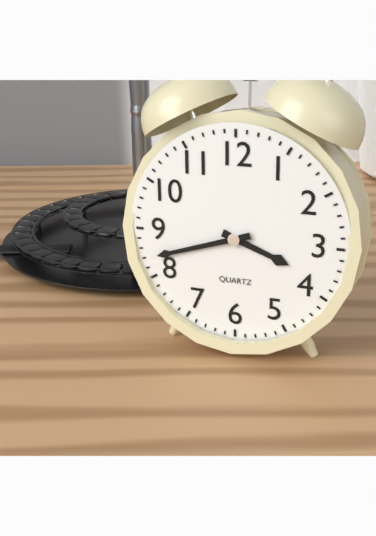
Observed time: 3:42
